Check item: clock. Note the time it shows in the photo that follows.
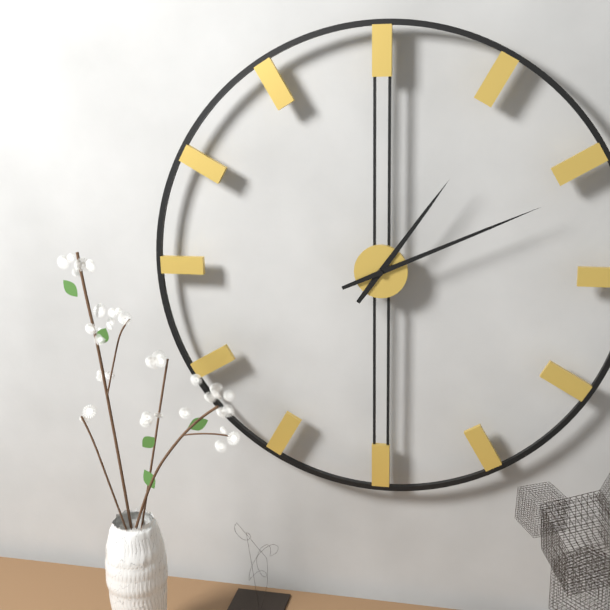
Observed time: 1:11
